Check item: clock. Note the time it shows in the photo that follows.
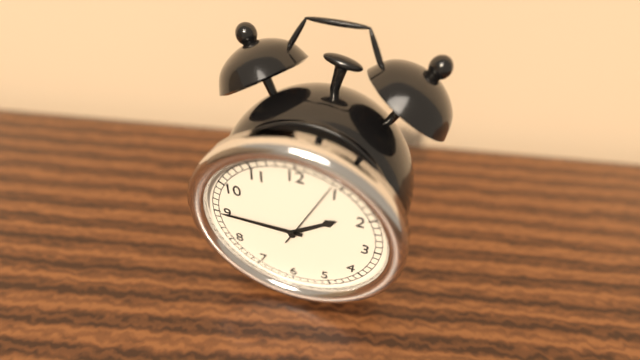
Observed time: 1:45:04
